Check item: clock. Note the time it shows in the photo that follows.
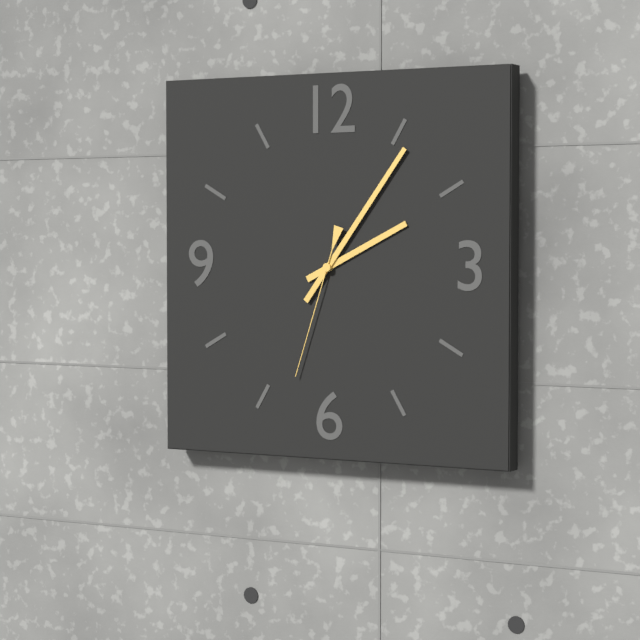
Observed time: 2:06:33
